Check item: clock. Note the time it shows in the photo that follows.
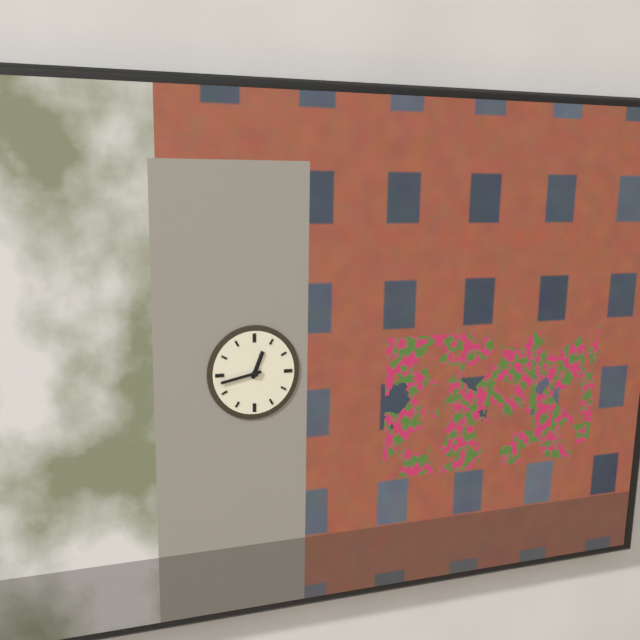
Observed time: 12:43
